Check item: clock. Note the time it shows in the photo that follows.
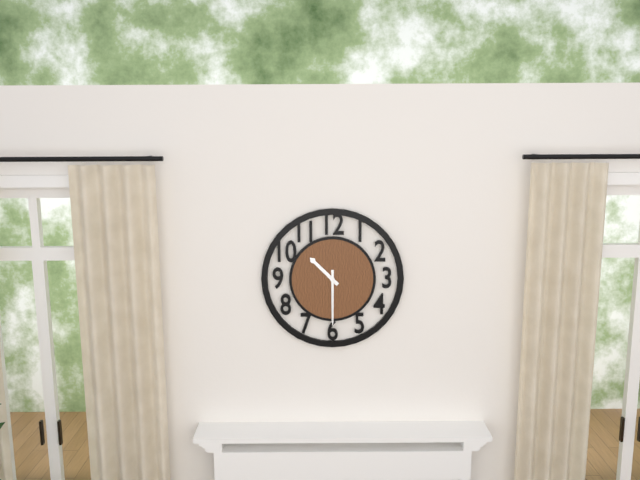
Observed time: 10:30
